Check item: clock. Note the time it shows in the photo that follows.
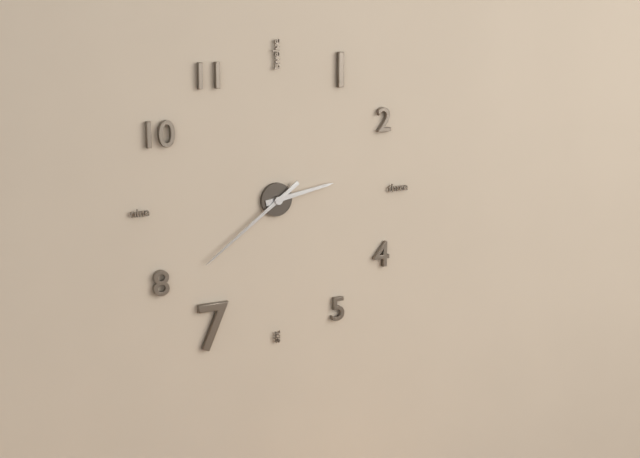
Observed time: 2:39
